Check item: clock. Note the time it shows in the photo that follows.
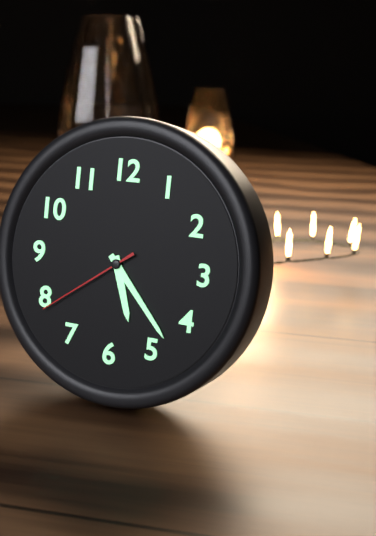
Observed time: 5:23:39
